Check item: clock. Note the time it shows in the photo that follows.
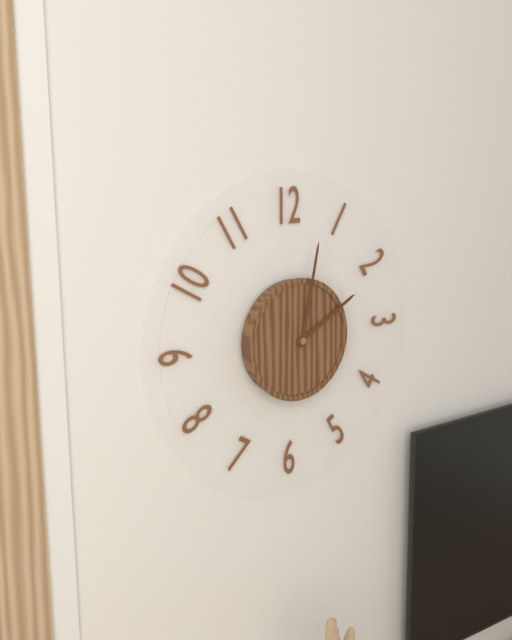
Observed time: 2:02
